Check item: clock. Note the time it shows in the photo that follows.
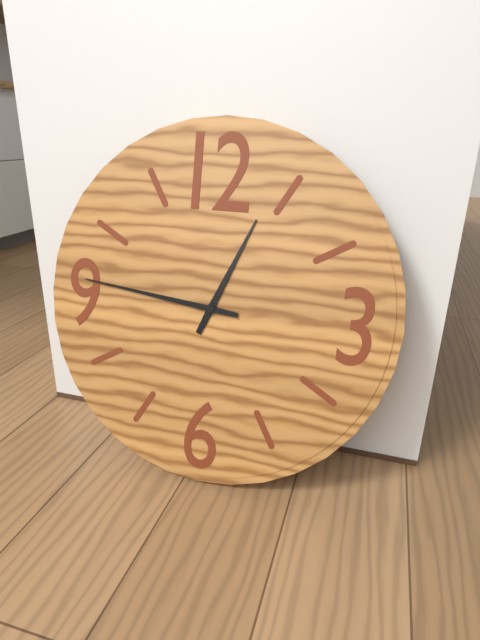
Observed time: 12:46
